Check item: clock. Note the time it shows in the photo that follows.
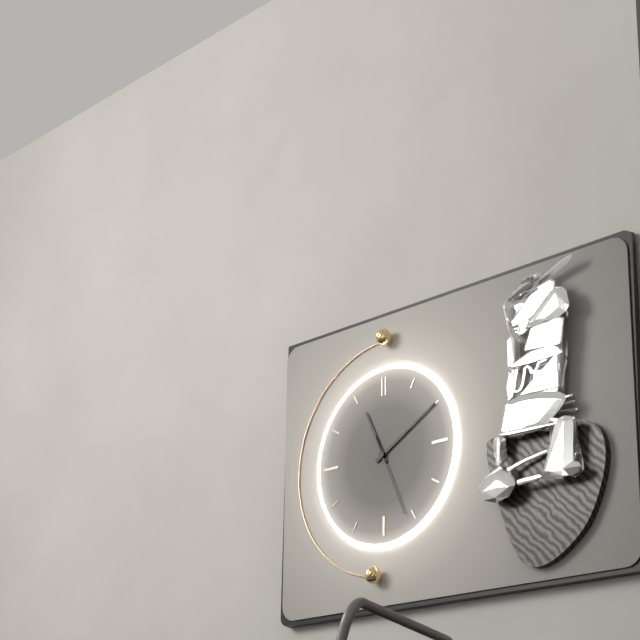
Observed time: 11:10:26
